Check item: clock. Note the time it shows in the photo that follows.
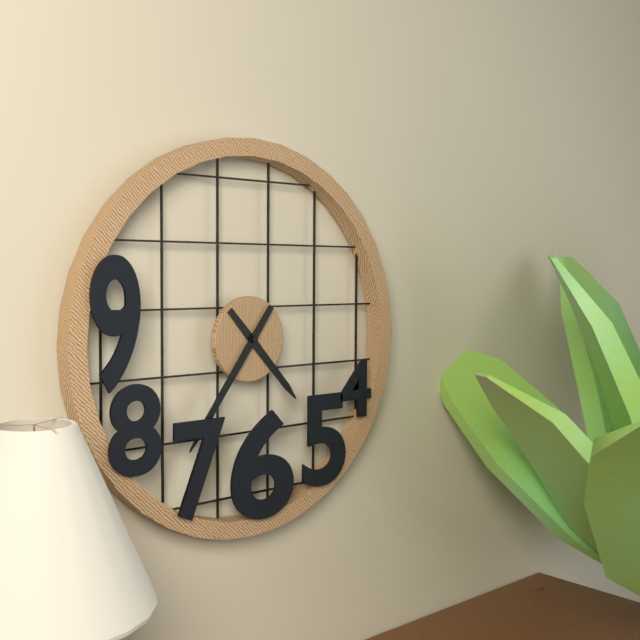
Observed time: 4:36
